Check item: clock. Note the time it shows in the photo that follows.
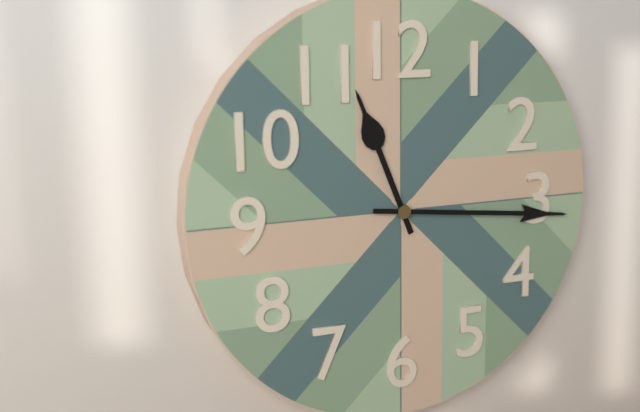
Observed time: 11:16
